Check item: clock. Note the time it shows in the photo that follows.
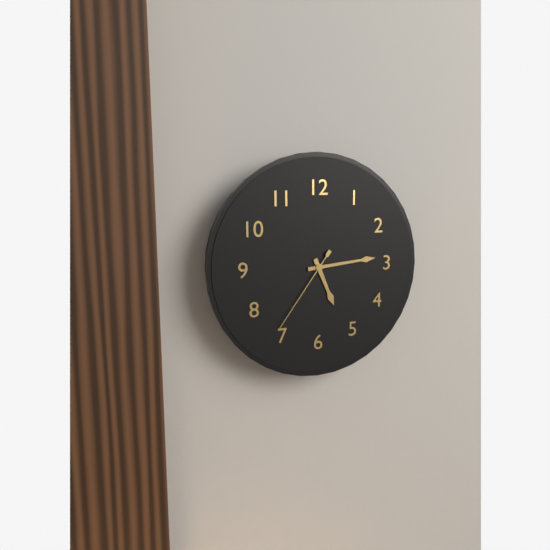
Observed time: 5:14:36
